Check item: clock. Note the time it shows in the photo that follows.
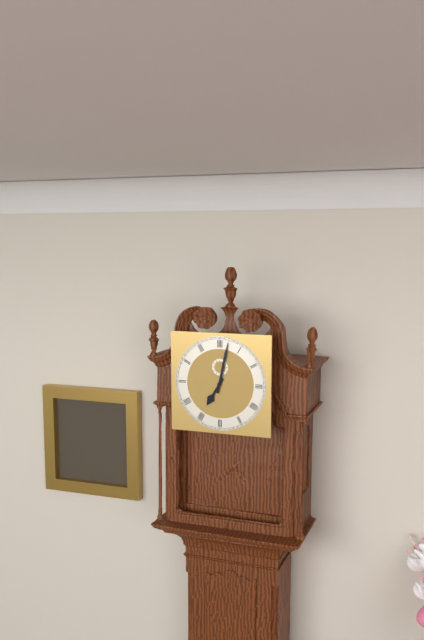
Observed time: 7:02
